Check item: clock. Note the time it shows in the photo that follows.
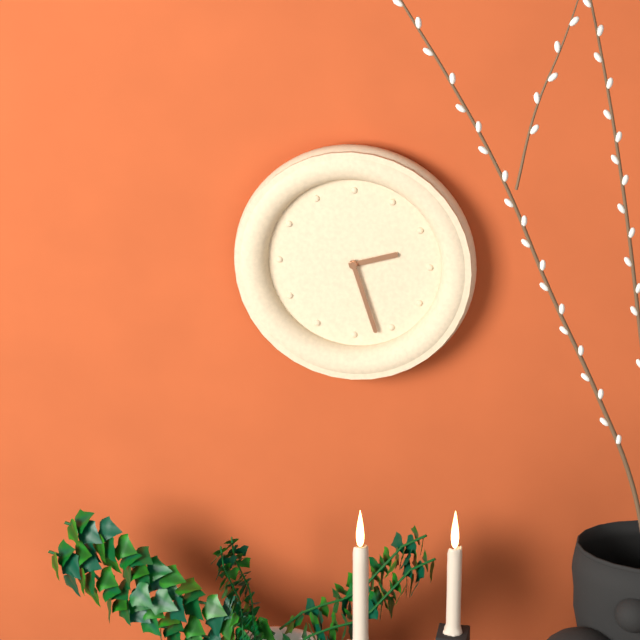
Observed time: 2:27
